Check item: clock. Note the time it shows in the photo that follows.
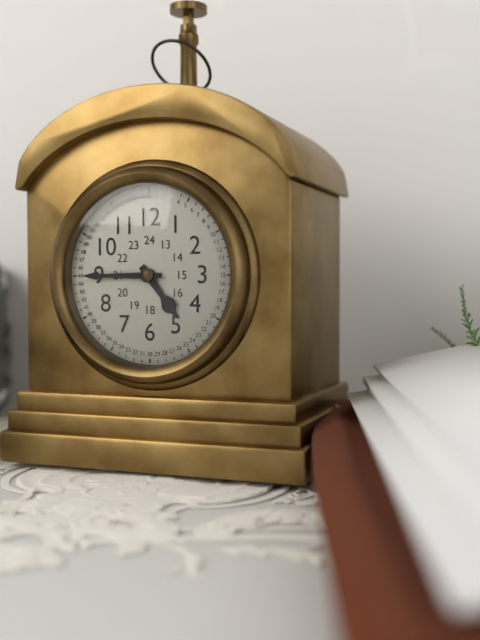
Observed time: 4:45
